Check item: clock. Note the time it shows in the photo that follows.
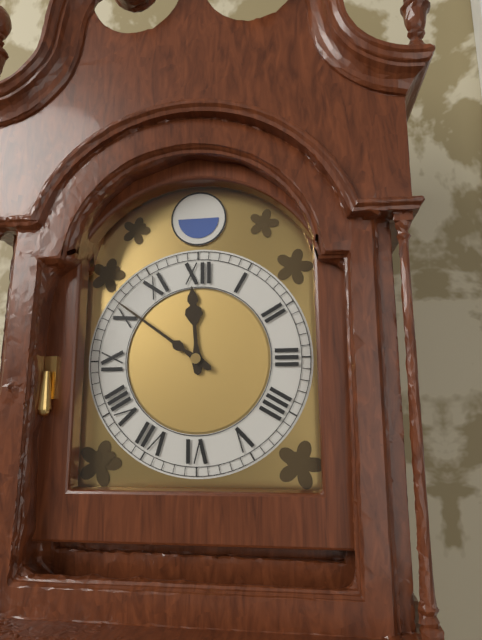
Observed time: 11:51
